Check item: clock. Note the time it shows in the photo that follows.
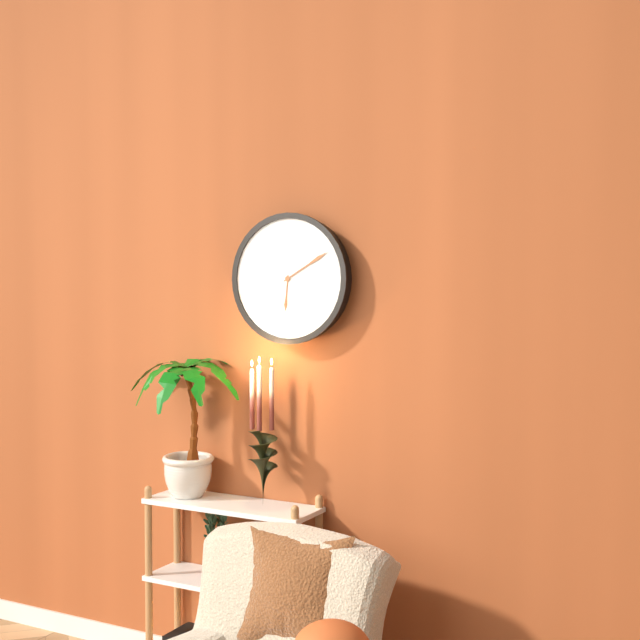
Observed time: 6:10
